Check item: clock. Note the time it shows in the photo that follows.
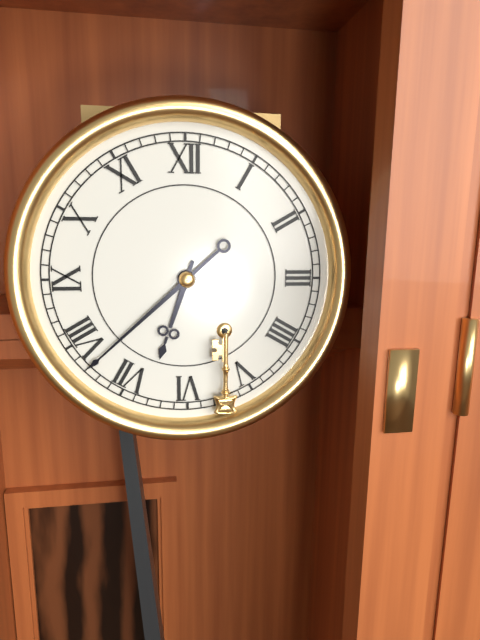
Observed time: 6:38
